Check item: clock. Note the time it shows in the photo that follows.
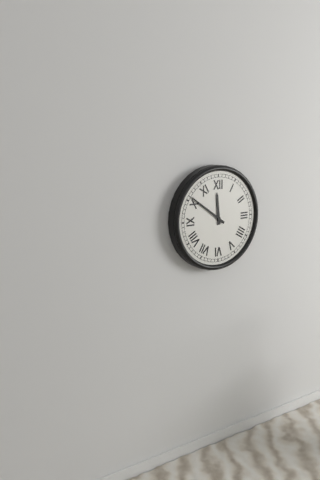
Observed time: 11:51
